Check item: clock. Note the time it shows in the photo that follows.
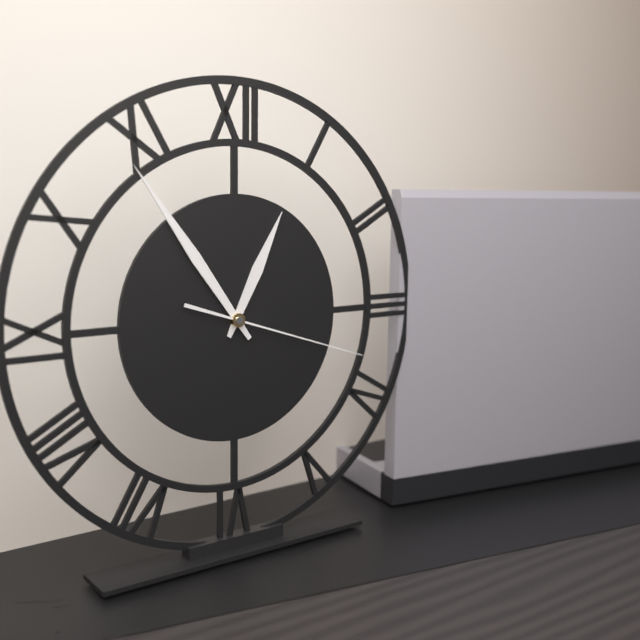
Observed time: 12:54:18
